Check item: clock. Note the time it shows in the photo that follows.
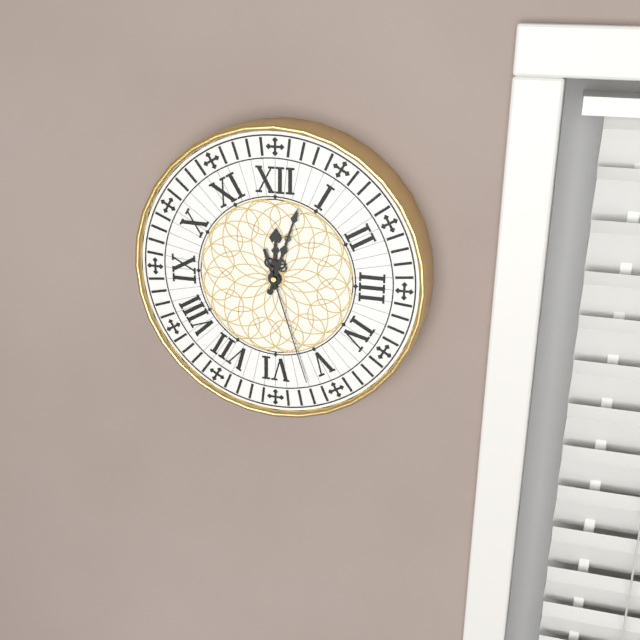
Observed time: 12:03:27
